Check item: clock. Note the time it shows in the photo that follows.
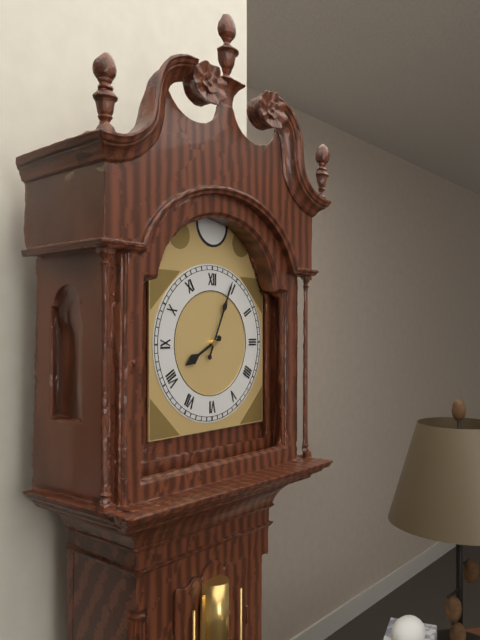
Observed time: 8:04
